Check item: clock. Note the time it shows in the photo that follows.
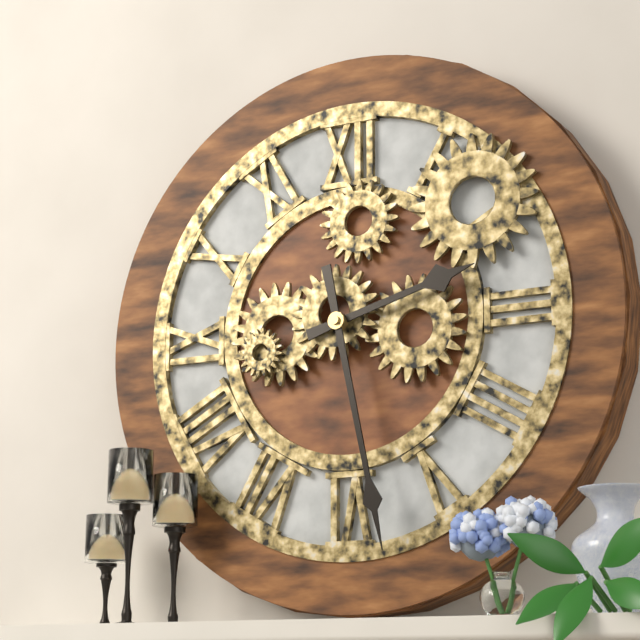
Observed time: 2:28
